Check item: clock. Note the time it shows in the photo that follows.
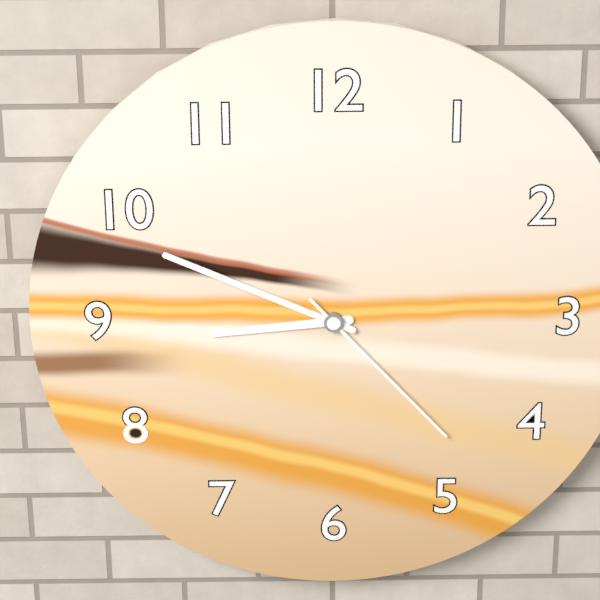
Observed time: 8:49:23
